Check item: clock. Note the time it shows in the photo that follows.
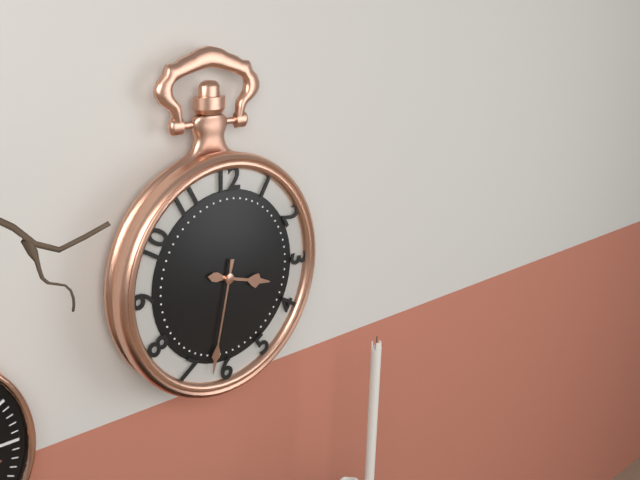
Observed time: 3:32
